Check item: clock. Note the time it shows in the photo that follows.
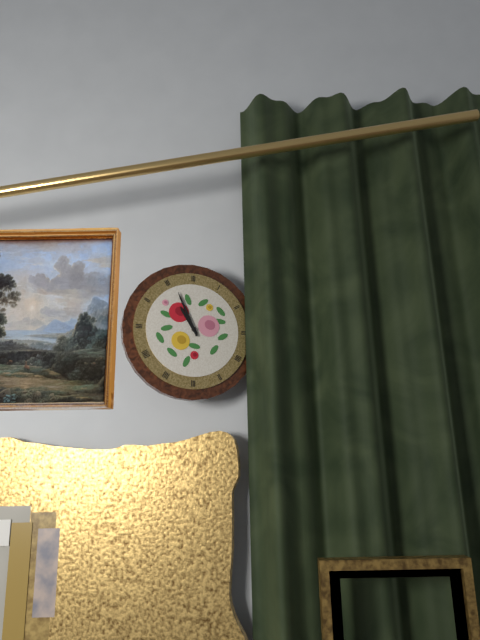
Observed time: 10:56
